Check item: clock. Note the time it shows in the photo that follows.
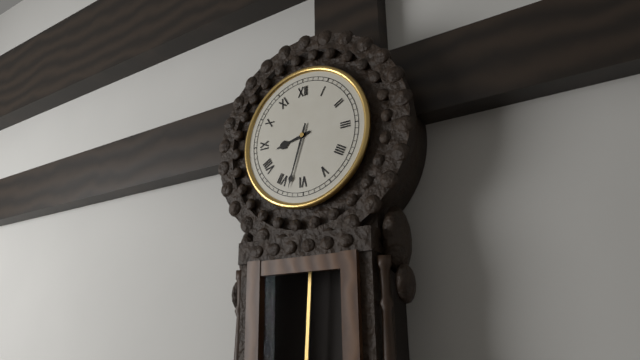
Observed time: 8:33
